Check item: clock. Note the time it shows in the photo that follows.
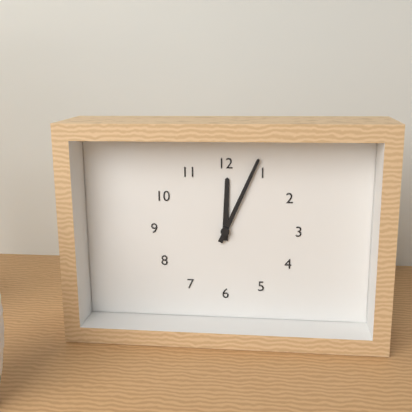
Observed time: 12:04
